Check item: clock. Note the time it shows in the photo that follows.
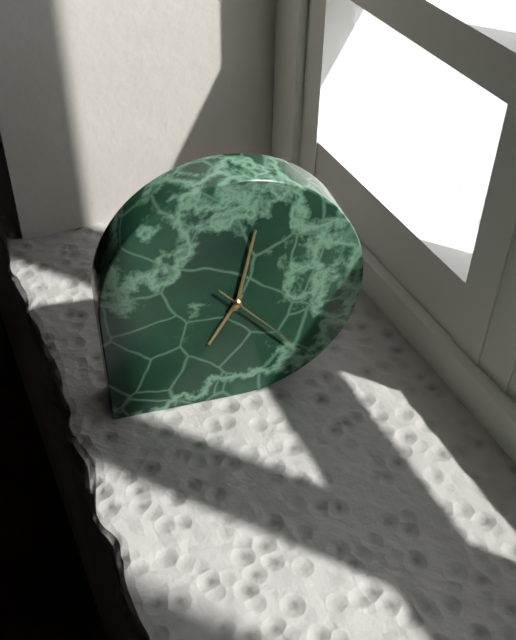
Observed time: 7:02:23
